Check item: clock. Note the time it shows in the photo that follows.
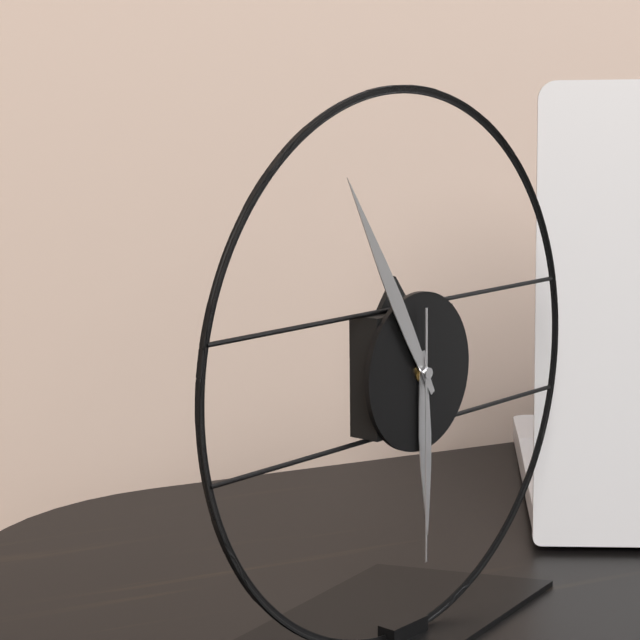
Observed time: 5:55:30
